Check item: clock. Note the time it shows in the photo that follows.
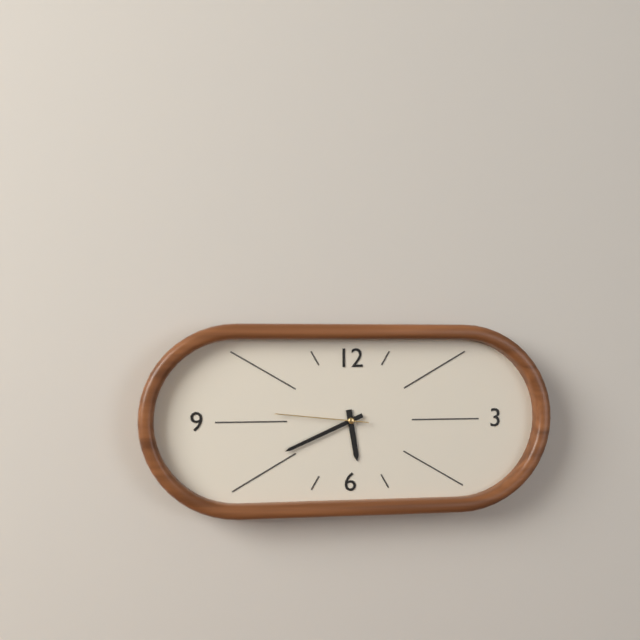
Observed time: 5:41:46
